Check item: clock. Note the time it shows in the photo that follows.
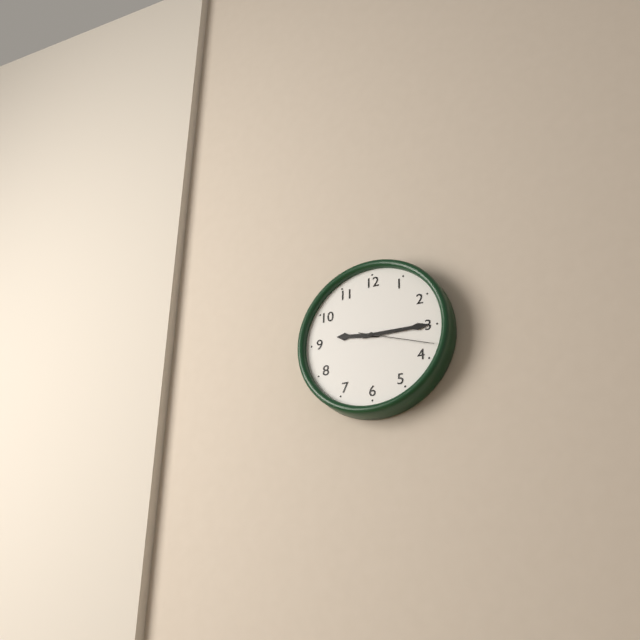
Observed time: 9:15:18
